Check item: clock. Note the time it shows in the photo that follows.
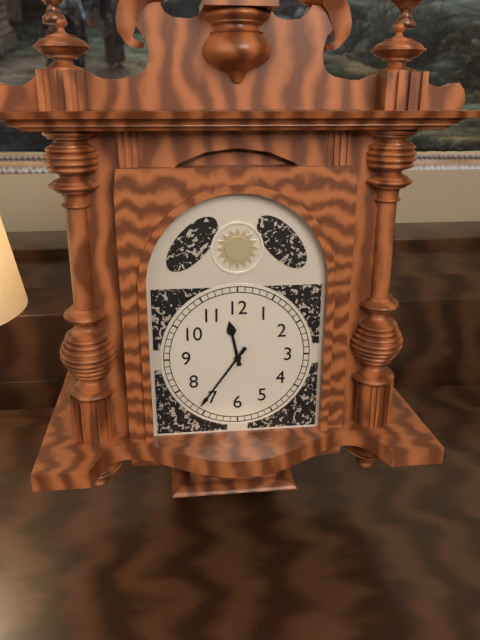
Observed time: 11:36
